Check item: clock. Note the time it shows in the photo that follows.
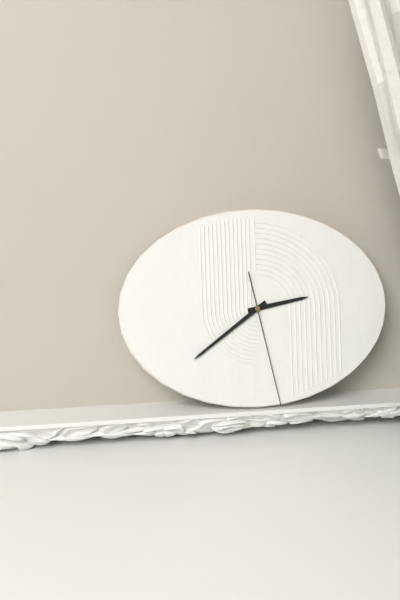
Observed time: 2:39:28
